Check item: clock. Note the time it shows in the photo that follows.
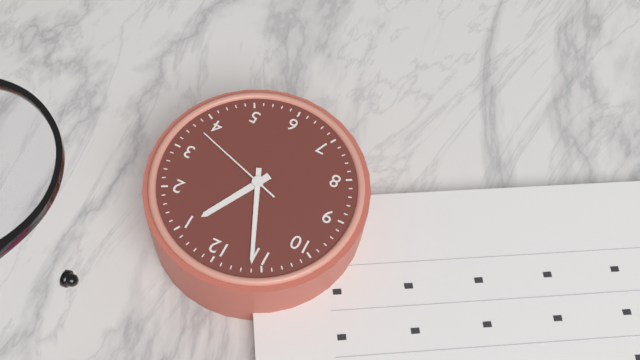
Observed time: 12:56:18
